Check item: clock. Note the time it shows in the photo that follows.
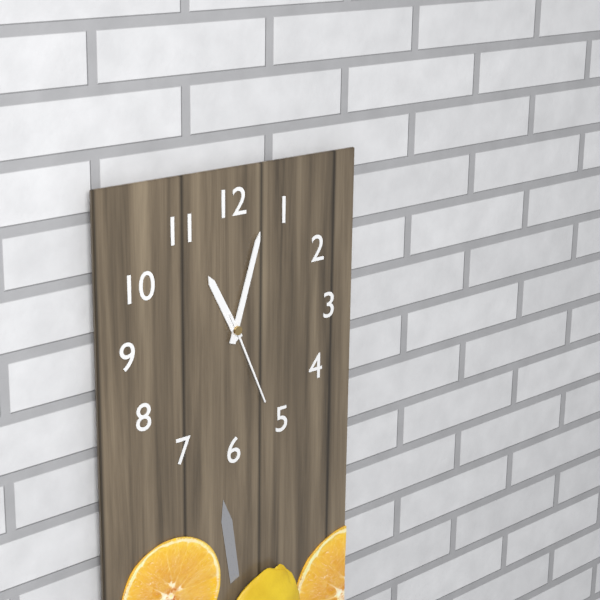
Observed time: 11:03:26
